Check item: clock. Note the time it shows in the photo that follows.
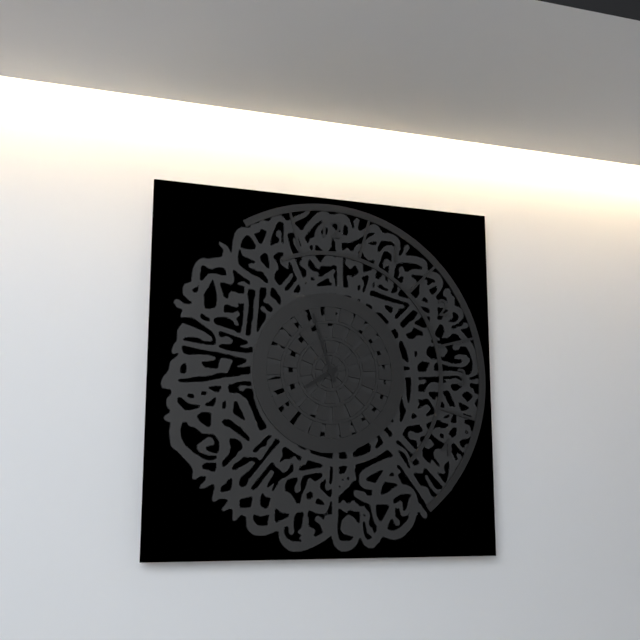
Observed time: 7:57
